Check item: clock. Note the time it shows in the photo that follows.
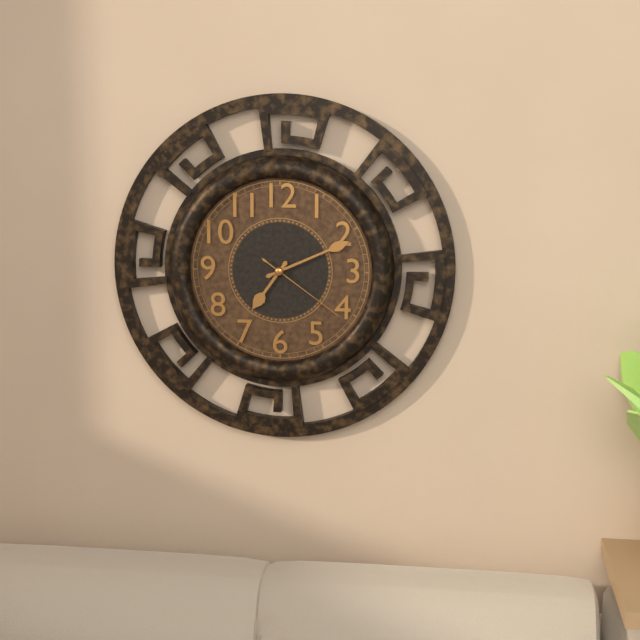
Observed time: 7:11:21
